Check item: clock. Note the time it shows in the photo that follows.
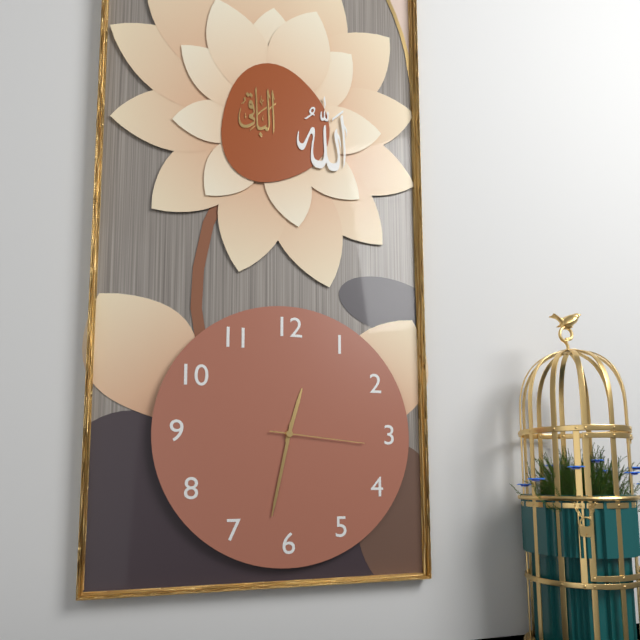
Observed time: 12:32:16
